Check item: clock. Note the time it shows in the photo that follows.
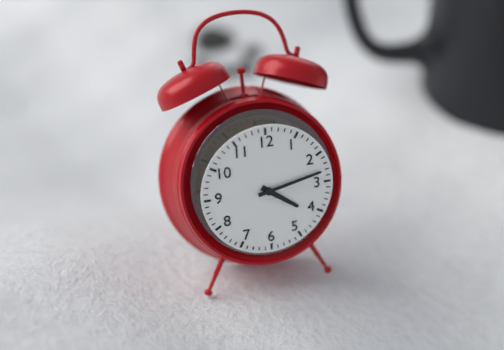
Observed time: 4:13
